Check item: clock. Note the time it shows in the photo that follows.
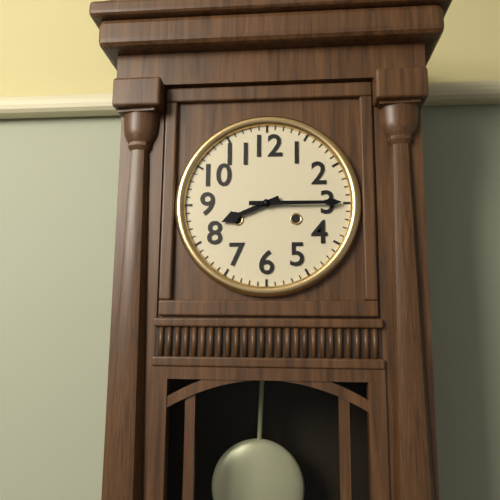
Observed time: 8:15
